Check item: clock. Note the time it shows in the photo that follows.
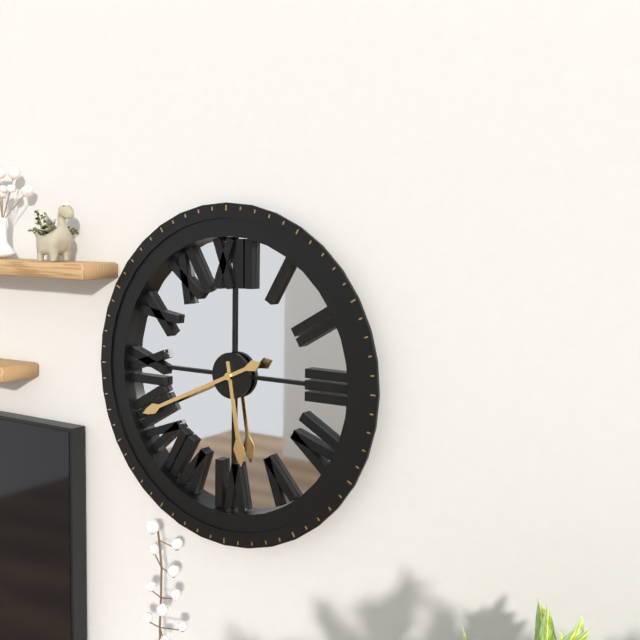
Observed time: 5:41
